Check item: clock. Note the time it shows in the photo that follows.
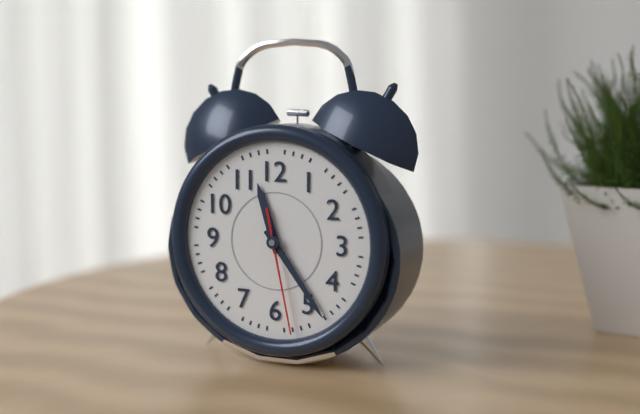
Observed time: 11:24:28
